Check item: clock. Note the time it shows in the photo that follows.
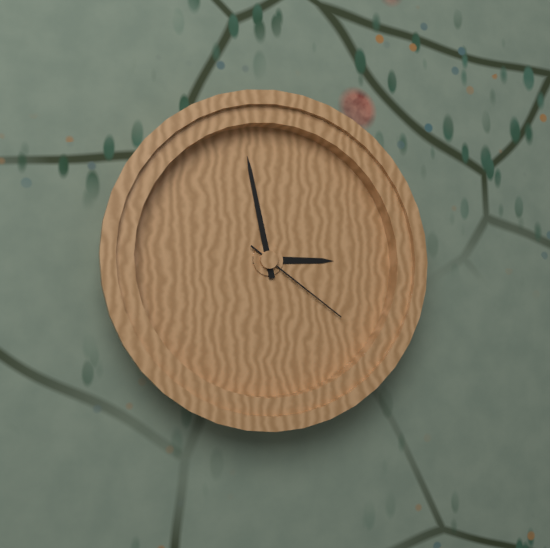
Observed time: 2:58:21
